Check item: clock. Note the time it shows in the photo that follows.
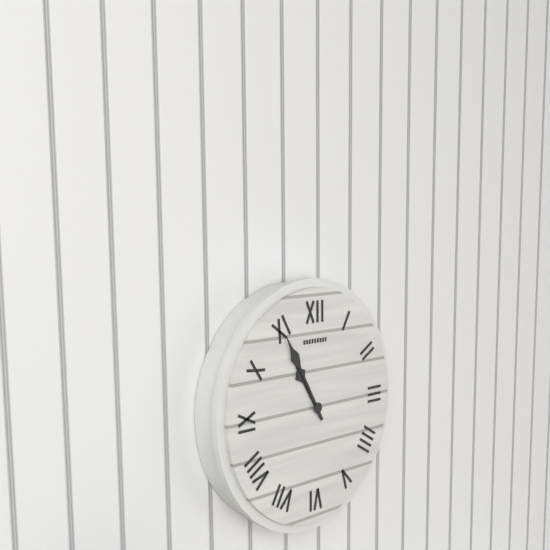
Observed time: 10:55
